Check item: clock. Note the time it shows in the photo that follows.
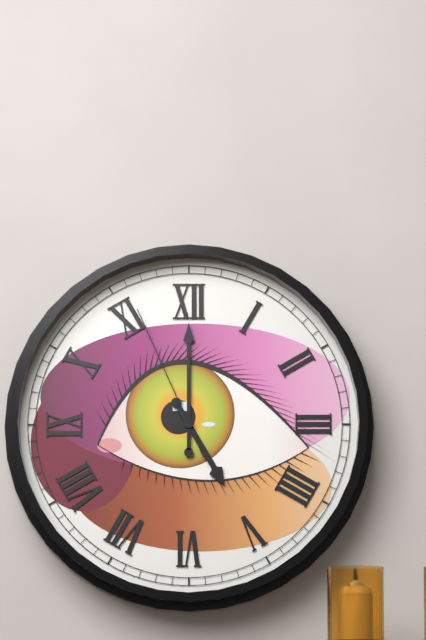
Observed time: 5:00:56
